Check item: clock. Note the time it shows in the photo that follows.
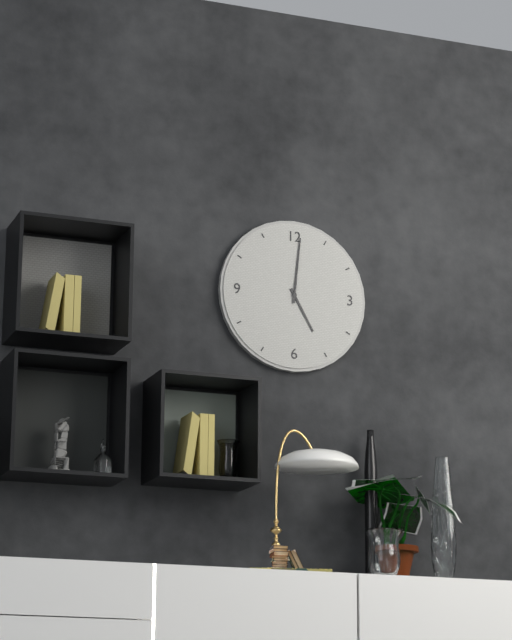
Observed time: 5:01
